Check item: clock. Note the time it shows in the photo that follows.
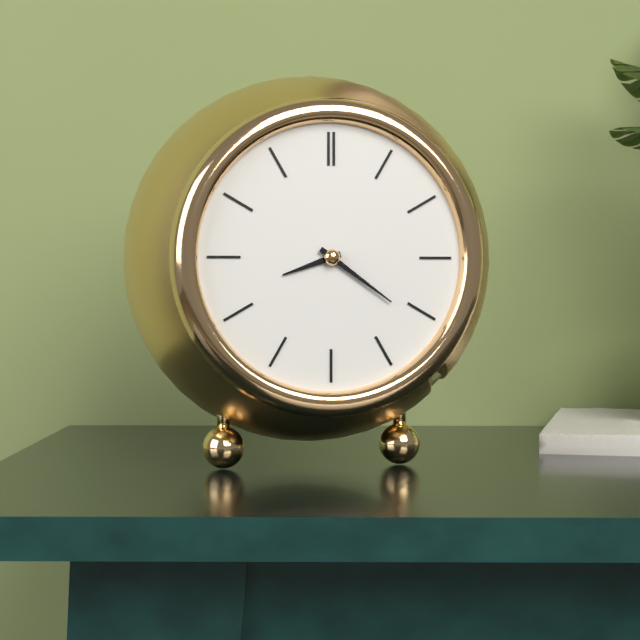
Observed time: 8:21
